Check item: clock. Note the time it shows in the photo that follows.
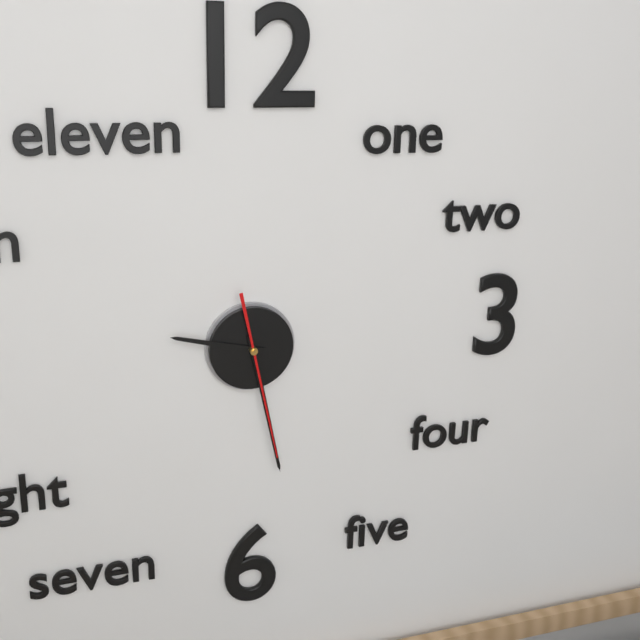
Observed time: 9:28:28
